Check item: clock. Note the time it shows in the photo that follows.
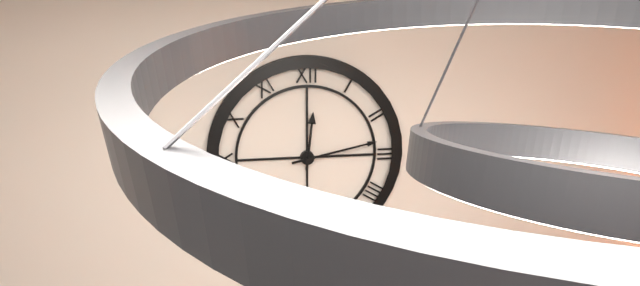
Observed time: 12:13
